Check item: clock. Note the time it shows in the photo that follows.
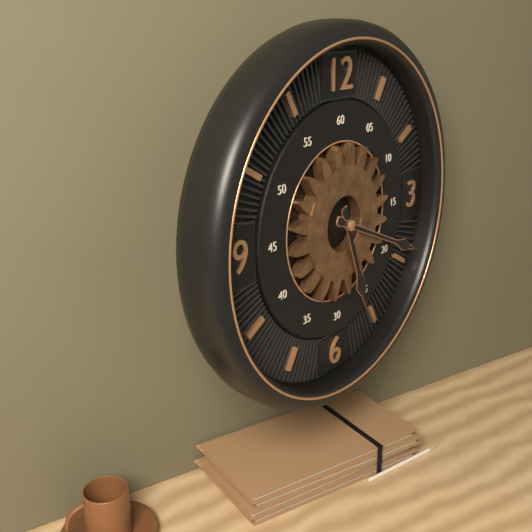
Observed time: 5:19
